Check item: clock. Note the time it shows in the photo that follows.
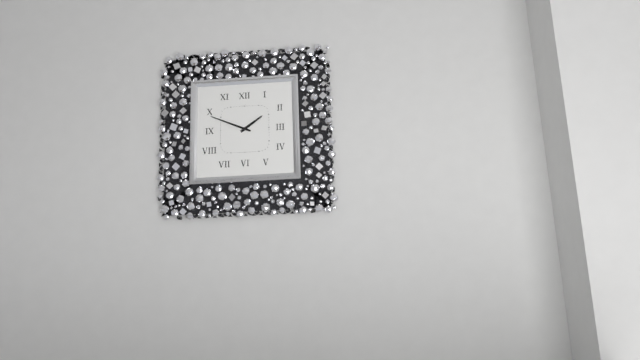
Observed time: 1:49
